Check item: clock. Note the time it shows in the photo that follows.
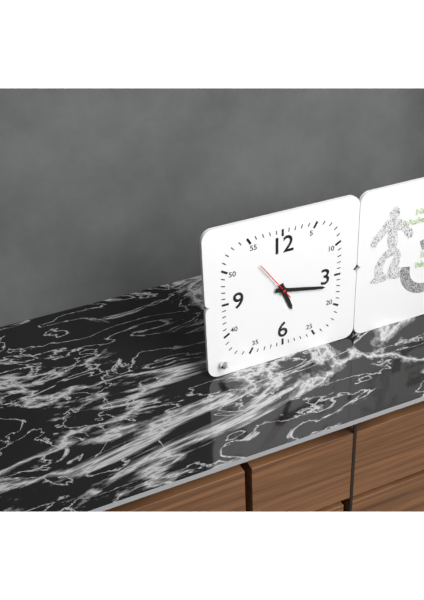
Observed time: 5:17
